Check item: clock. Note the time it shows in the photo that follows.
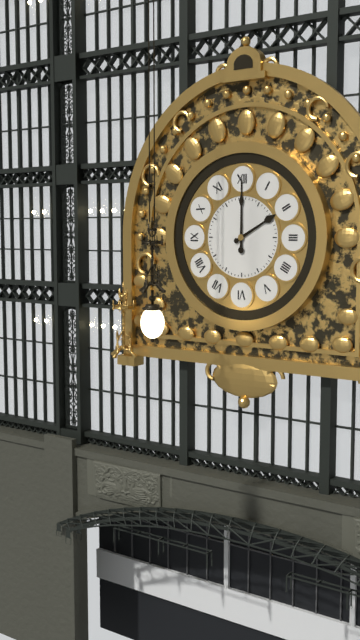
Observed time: 2:00
